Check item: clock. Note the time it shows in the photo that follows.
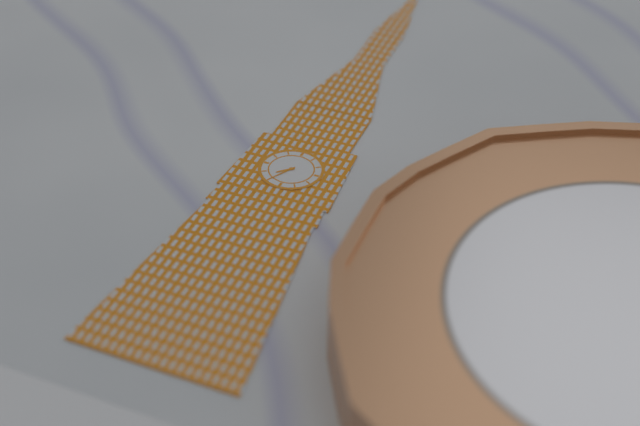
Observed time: 7:35
